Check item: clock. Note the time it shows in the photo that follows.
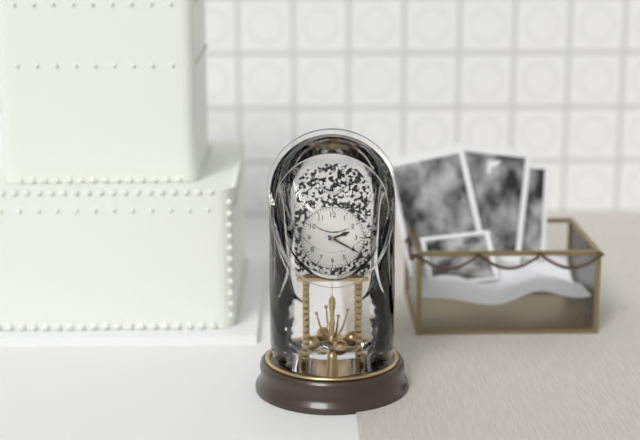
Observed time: 2:20
